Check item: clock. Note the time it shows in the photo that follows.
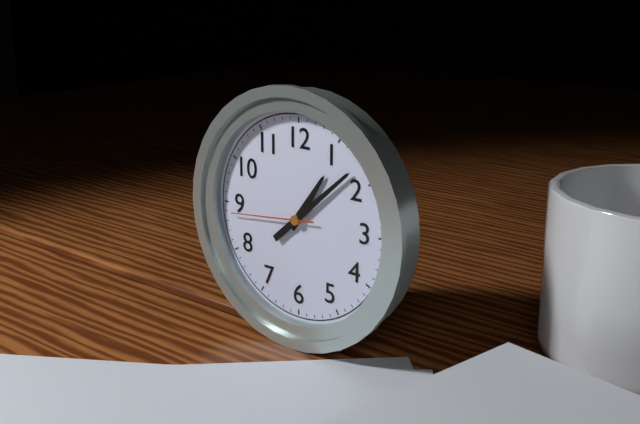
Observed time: 1:08:44
